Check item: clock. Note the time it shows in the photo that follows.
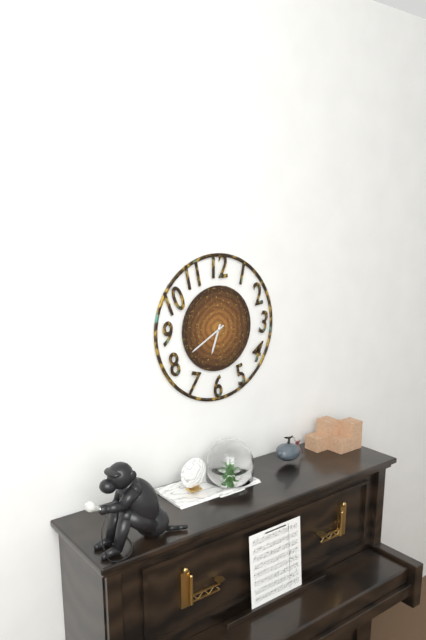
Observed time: 6:40
